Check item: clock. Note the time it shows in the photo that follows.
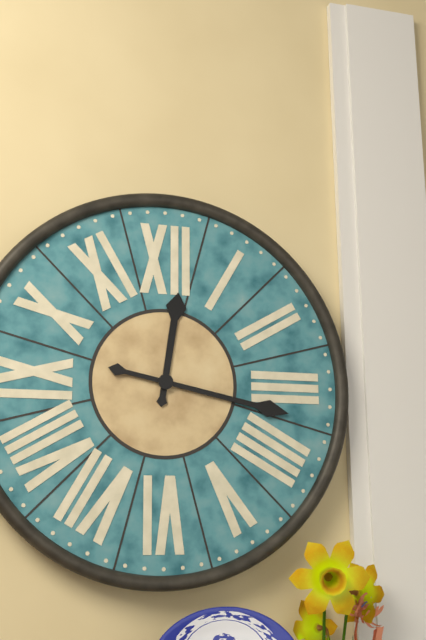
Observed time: 12:17
